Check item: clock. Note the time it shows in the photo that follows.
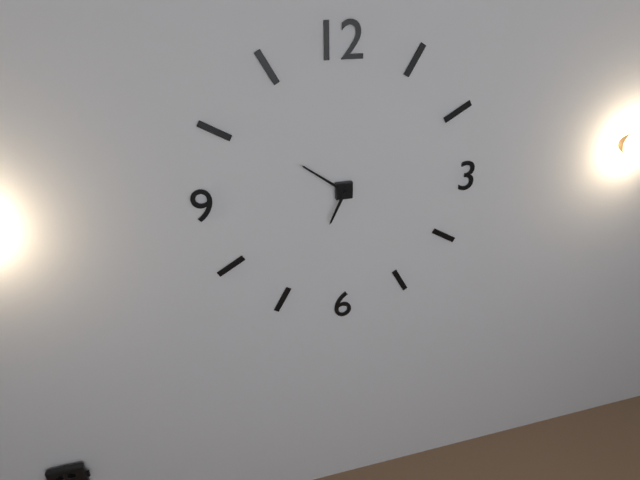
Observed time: 6:51
